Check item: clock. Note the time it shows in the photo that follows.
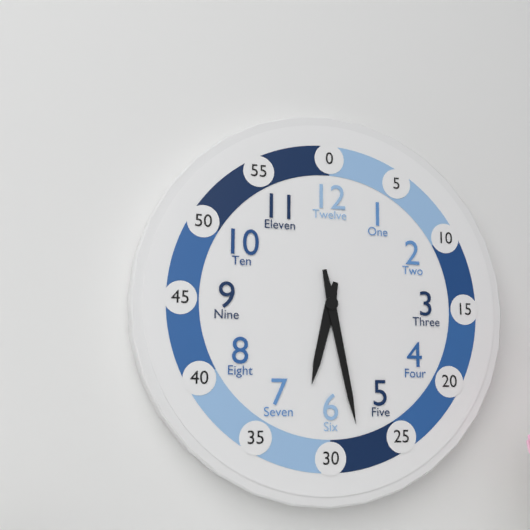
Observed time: 6:28
